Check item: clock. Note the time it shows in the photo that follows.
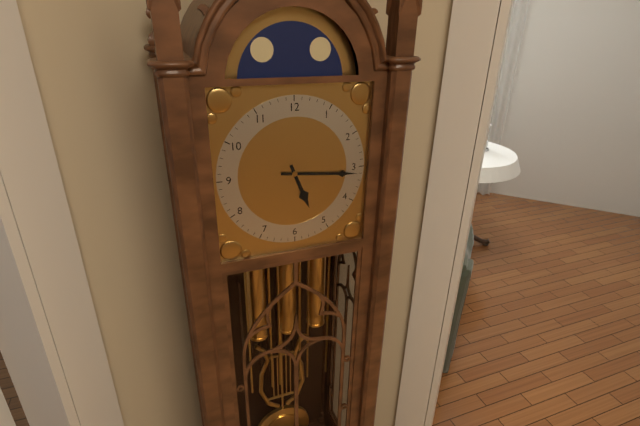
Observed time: 5:16
